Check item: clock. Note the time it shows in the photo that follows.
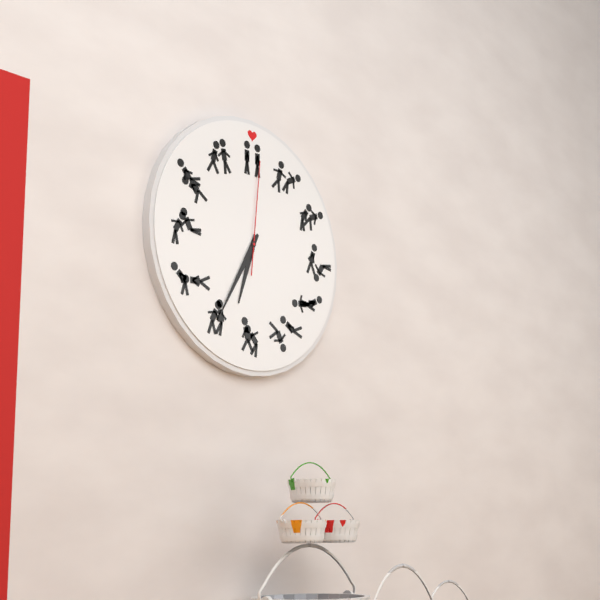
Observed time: 6:35:01
